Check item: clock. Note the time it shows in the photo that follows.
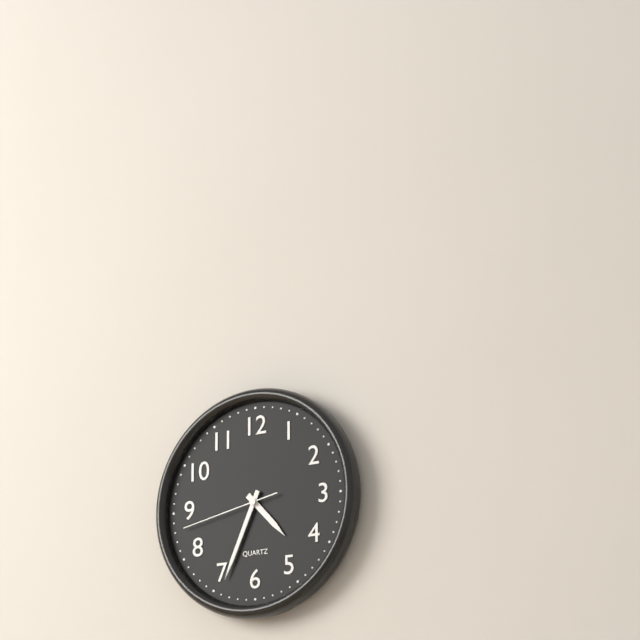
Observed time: 4:34:43
